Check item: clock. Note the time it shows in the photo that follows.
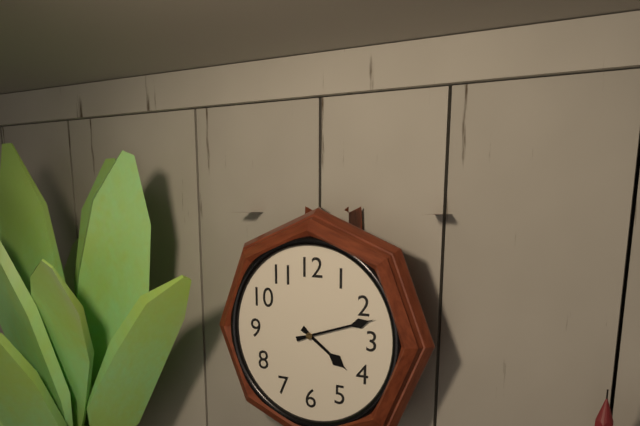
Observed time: 4:12
